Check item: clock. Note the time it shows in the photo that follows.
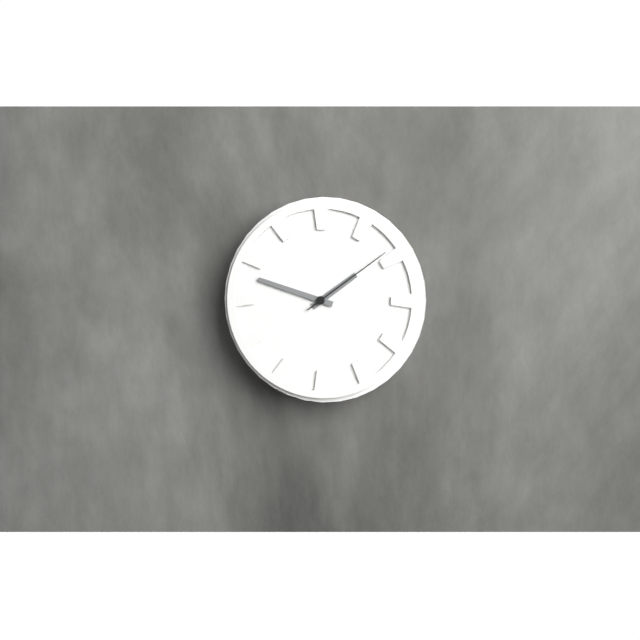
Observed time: 1:48:09
